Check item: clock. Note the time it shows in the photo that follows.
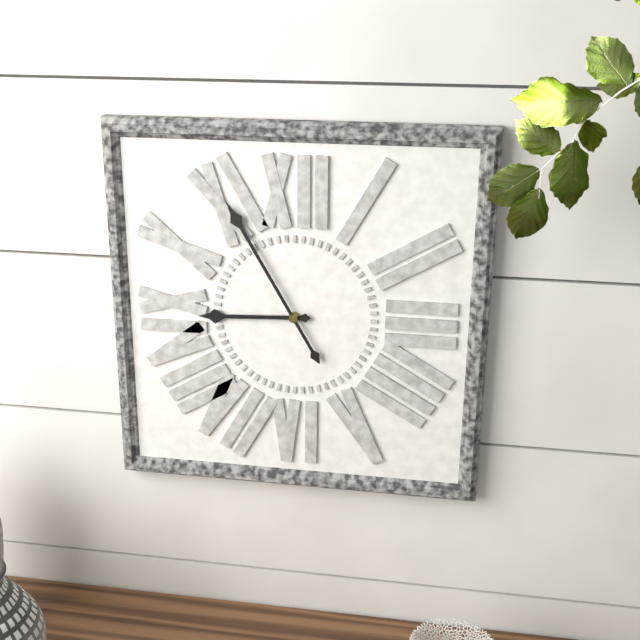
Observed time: 8:55
